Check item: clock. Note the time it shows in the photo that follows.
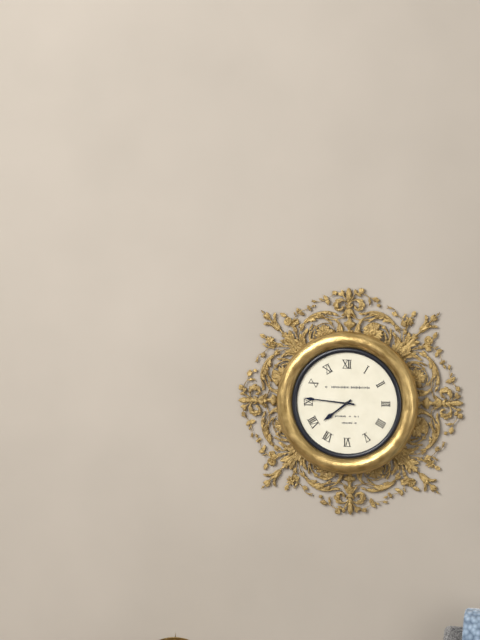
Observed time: 7:46
